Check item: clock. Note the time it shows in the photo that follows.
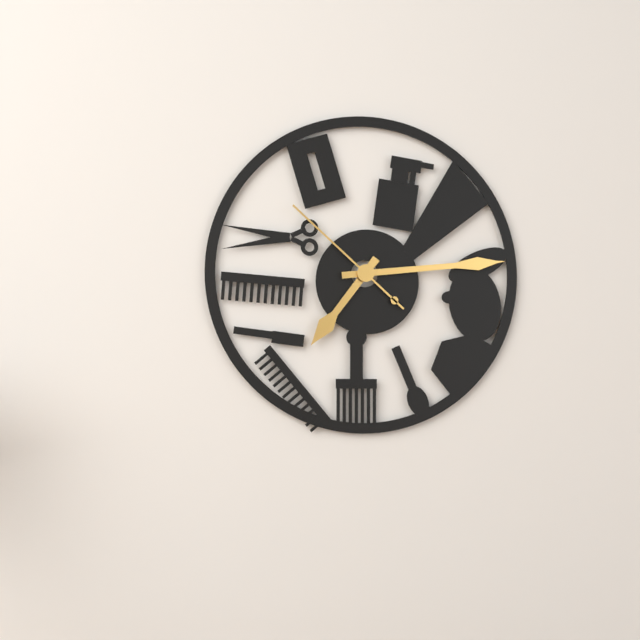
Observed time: 7:14:52
